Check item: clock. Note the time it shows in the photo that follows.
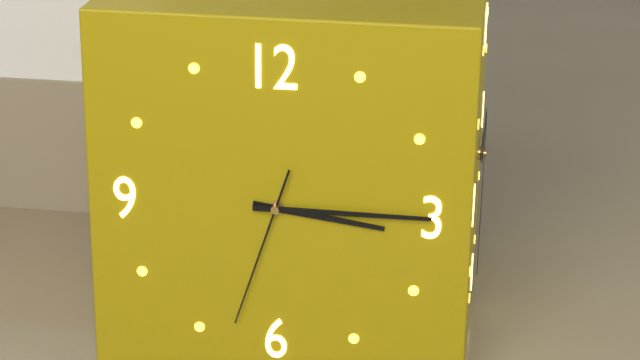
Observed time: 3:15:33
